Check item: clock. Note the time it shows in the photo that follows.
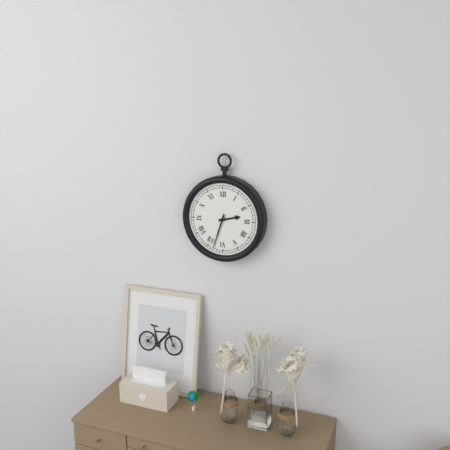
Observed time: 2:33
